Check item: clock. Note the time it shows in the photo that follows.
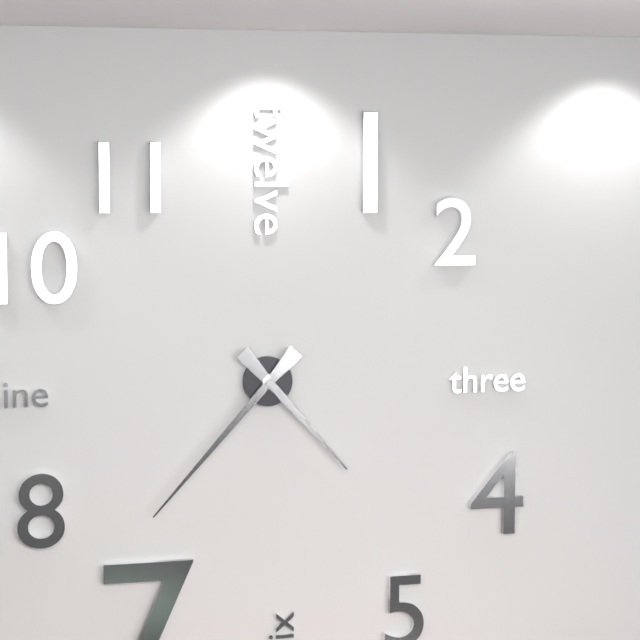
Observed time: 4:37
